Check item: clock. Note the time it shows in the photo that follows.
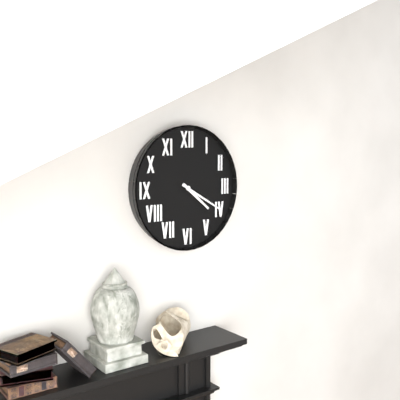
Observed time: 4:20
